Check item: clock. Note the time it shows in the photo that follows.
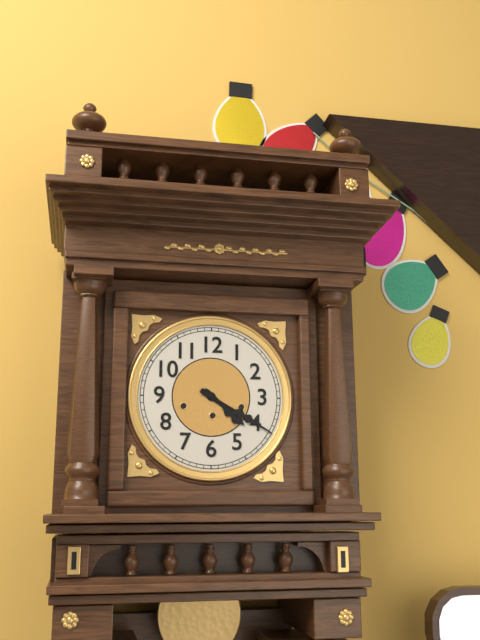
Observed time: 4:20
